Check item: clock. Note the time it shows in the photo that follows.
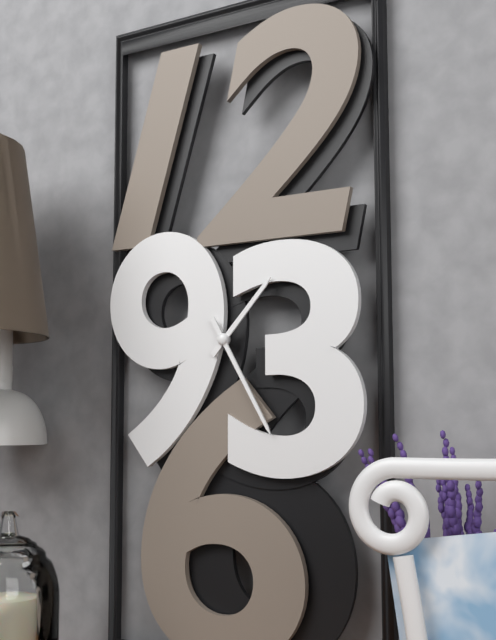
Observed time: 1:25
